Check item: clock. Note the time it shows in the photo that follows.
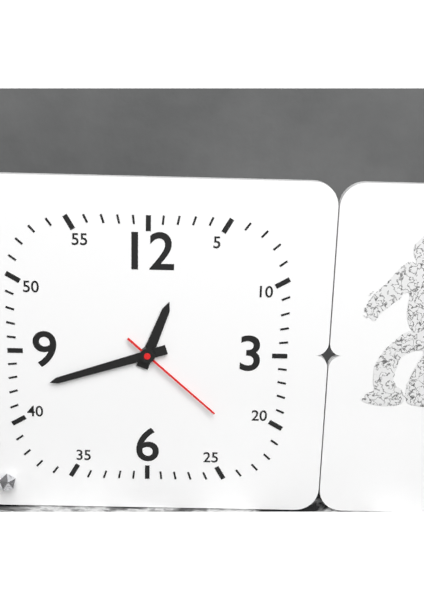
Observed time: 12:42:22
